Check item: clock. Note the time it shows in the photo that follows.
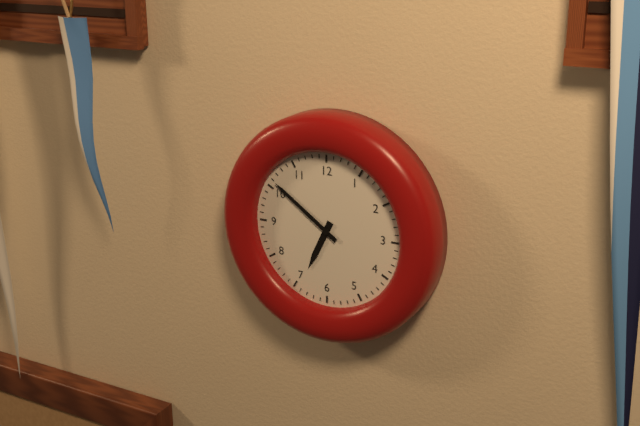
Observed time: 6:51
